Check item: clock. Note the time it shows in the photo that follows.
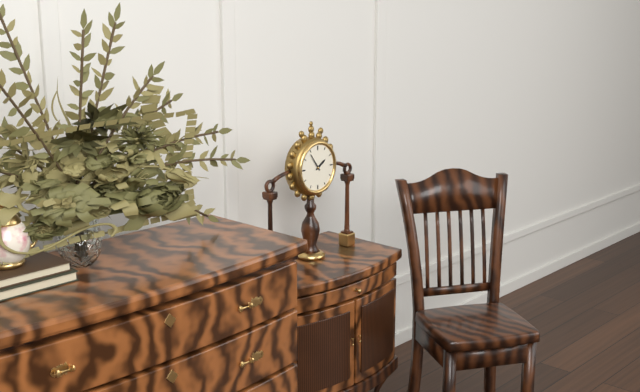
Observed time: 1:54
